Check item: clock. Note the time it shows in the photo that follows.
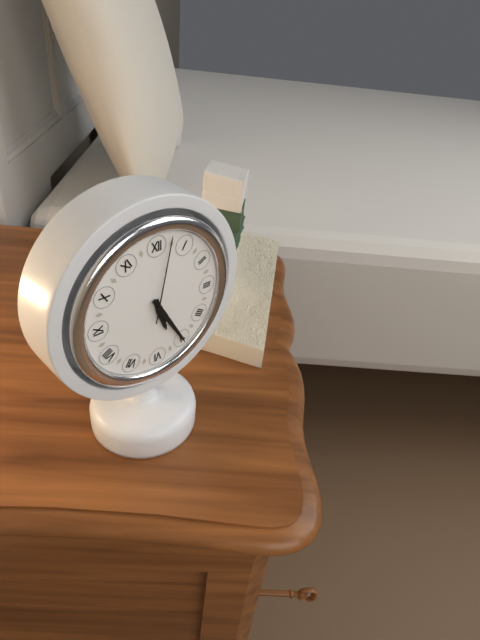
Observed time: 5:25:02
